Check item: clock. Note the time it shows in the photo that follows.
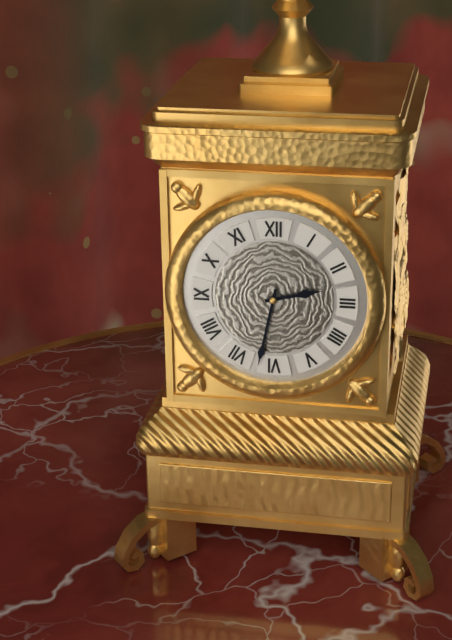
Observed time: 2:32
